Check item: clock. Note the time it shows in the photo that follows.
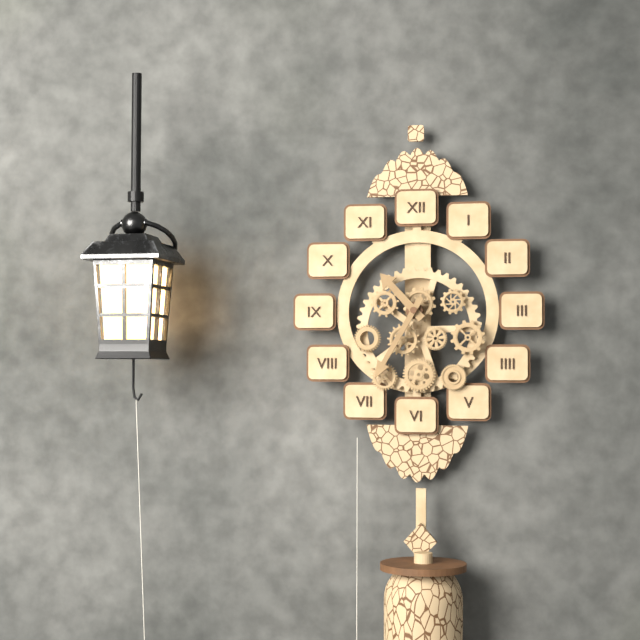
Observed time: 10:35
